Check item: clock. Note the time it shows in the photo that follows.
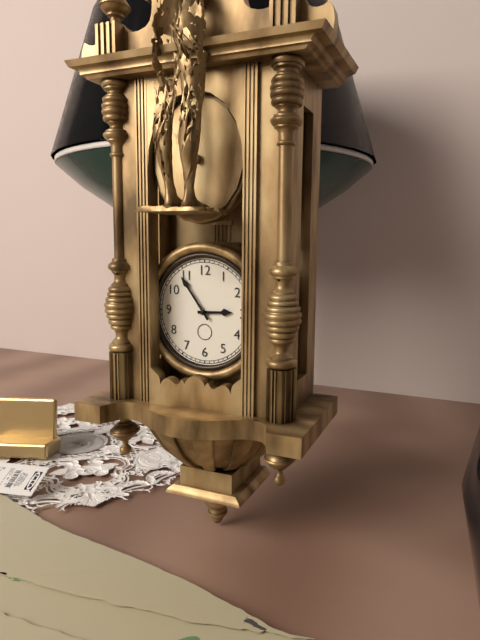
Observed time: 2:54
